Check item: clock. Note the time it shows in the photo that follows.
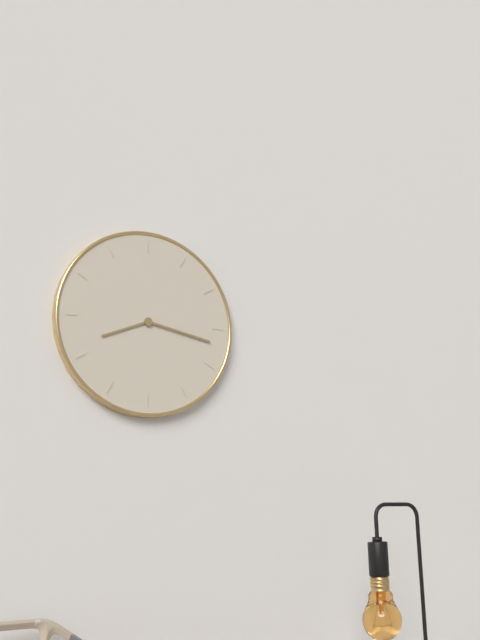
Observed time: 8:17
